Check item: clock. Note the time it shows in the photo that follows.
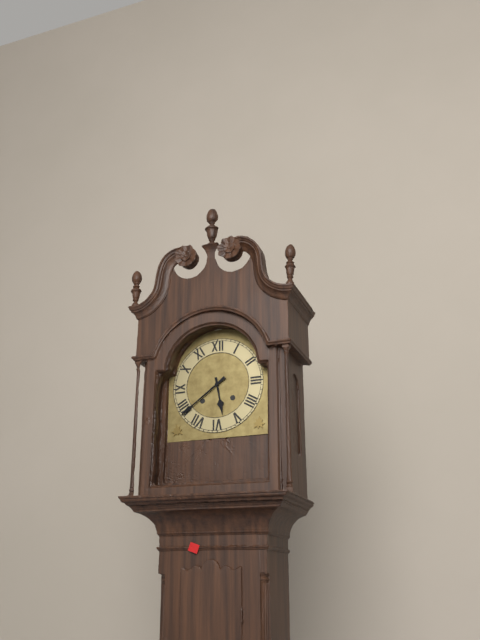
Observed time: 5:39
